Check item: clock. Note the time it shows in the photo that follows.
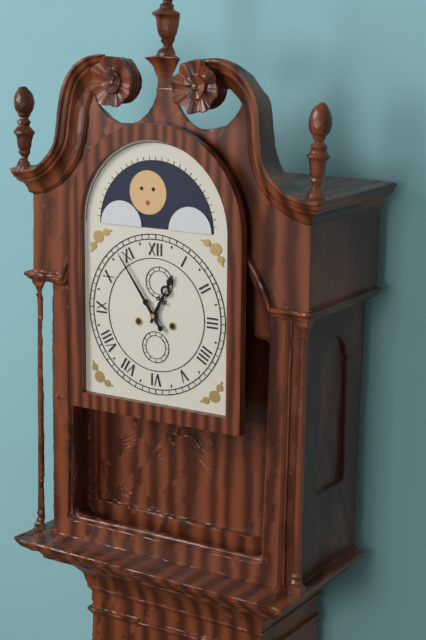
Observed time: 12:54
